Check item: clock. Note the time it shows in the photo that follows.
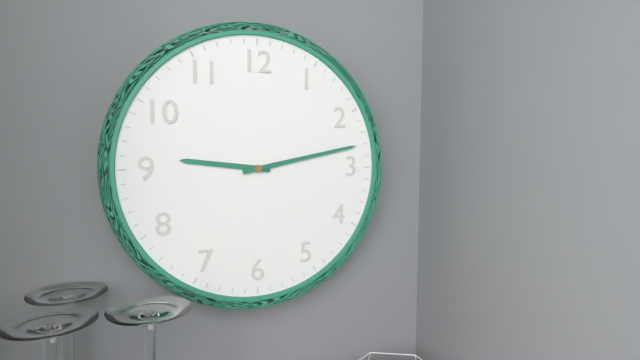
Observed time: 9:13
